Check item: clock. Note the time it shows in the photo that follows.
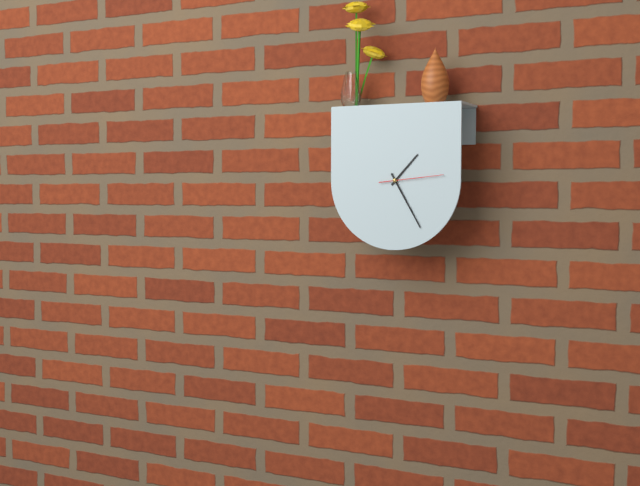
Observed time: 1:25:14
